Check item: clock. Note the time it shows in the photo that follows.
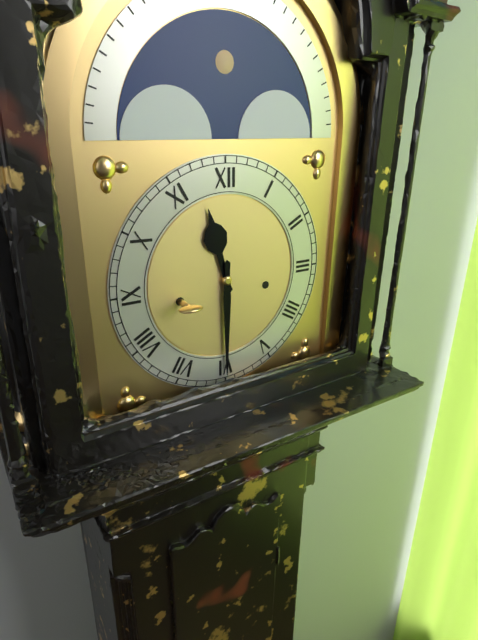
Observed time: 11:30
